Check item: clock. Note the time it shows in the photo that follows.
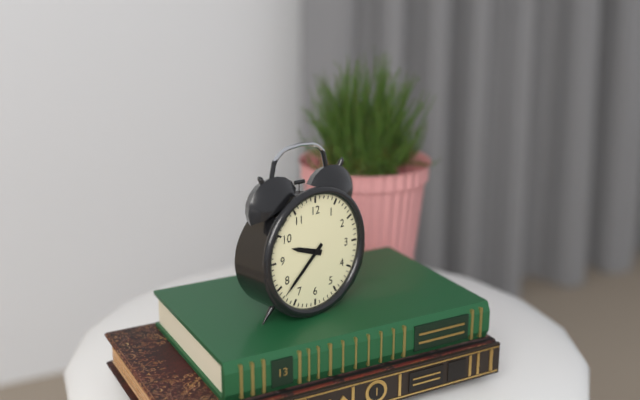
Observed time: 9:38
